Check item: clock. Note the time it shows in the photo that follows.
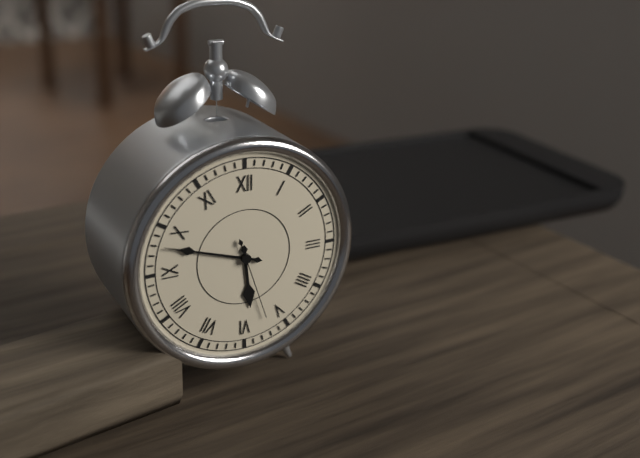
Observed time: 5:48:27
